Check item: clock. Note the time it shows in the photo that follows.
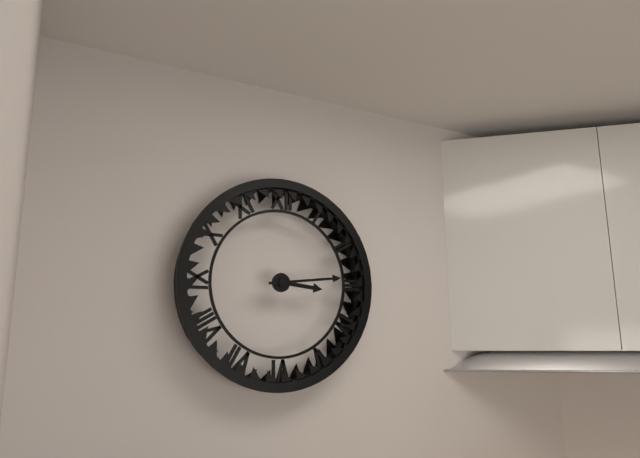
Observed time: 3:14
